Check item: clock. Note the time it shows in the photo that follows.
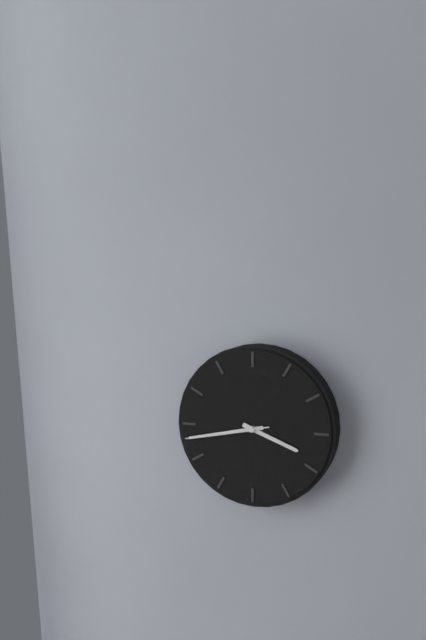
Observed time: 3:43:43
